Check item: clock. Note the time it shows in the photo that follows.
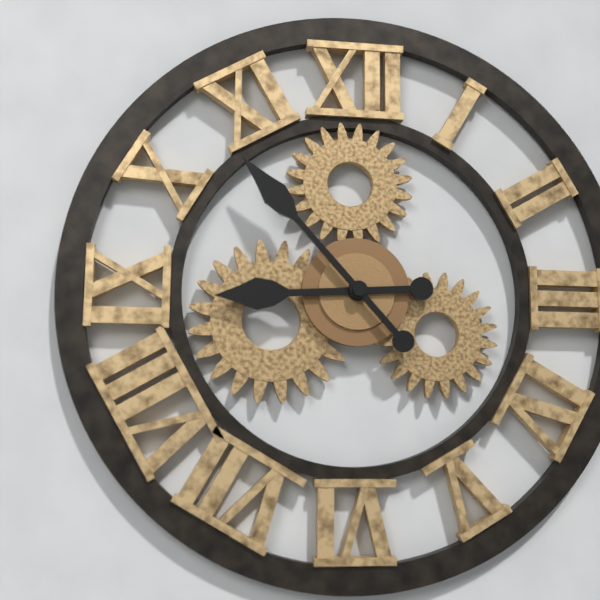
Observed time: 8:53
